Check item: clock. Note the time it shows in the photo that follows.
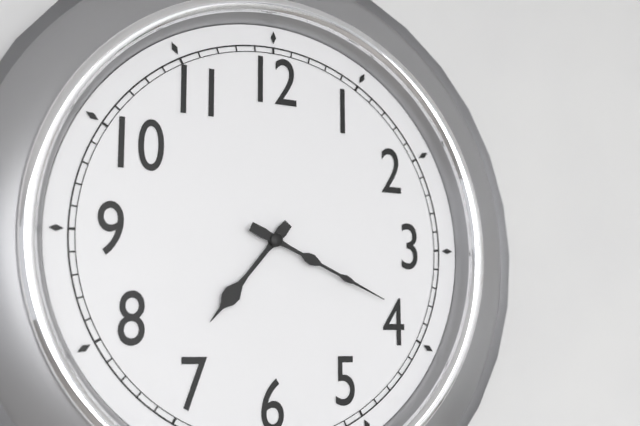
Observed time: 7:19
